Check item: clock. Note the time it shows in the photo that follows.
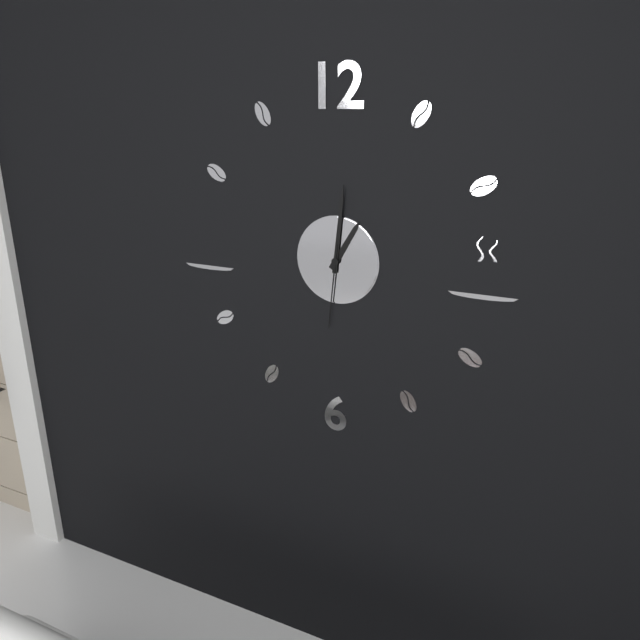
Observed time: 1:01:31
